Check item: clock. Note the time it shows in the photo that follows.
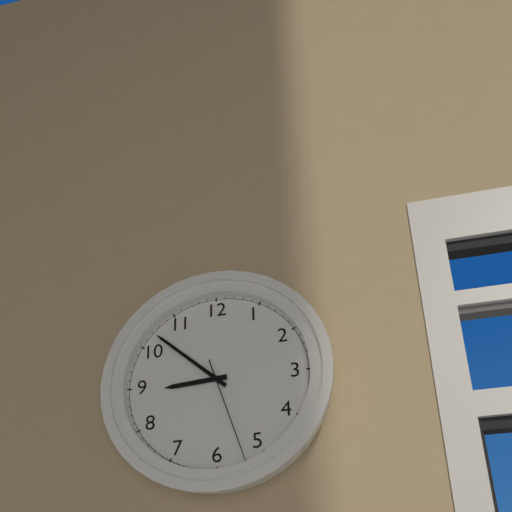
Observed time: 8:52:27
